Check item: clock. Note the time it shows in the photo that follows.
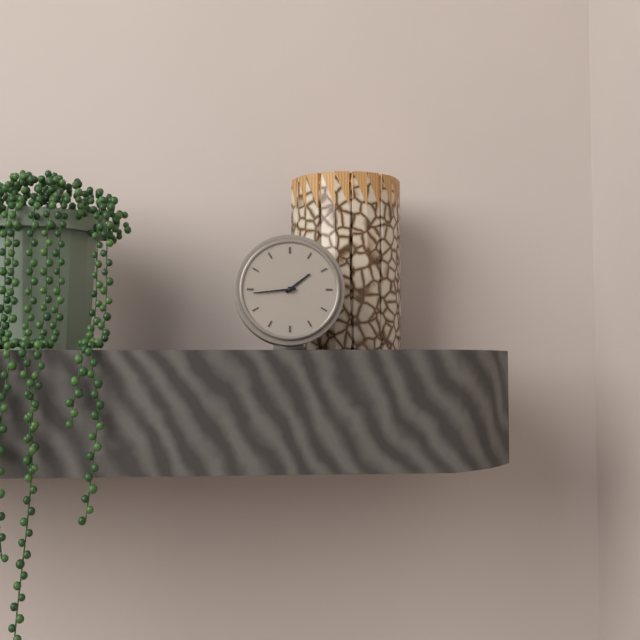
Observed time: 1:44
